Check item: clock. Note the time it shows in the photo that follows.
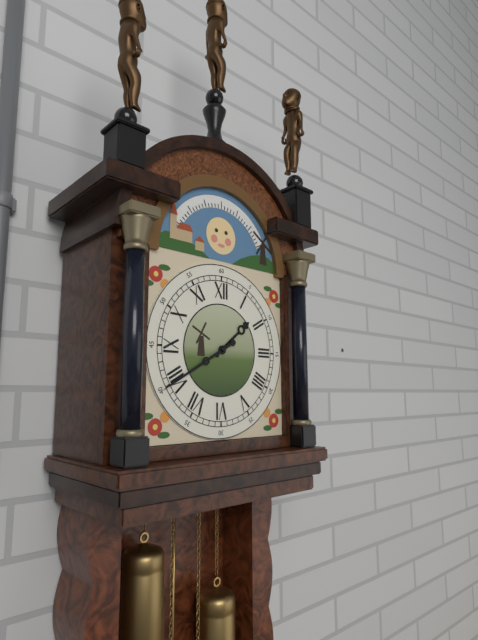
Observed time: 1:40
